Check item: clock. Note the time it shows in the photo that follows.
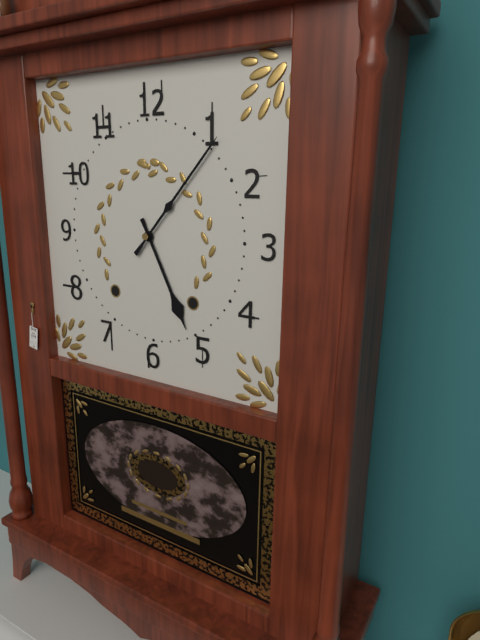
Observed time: 5:07
